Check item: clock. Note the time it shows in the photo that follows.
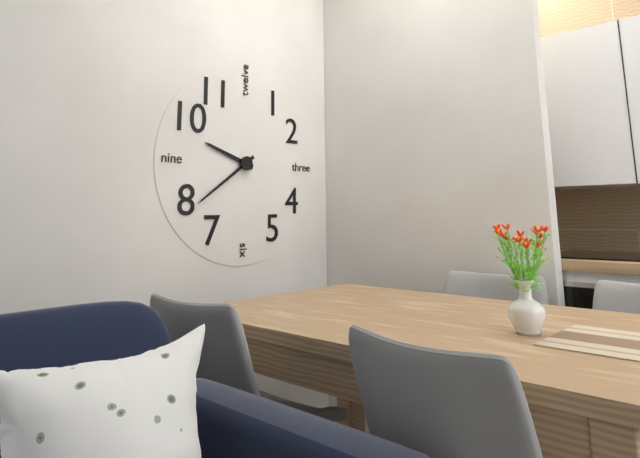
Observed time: 9:39
